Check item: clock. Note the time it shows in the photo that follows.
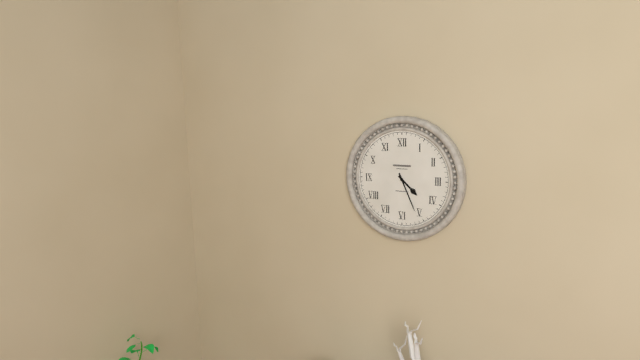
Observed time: 4:26
